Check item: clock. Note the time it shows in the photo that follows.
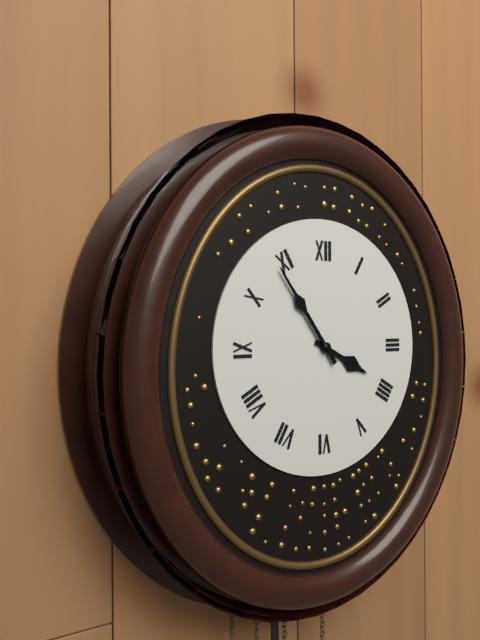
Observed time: 3:54
